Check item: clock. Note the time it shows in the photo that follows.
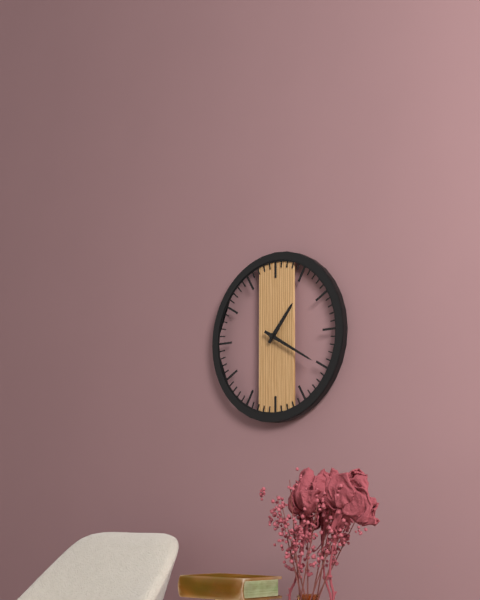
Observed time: 1:20
